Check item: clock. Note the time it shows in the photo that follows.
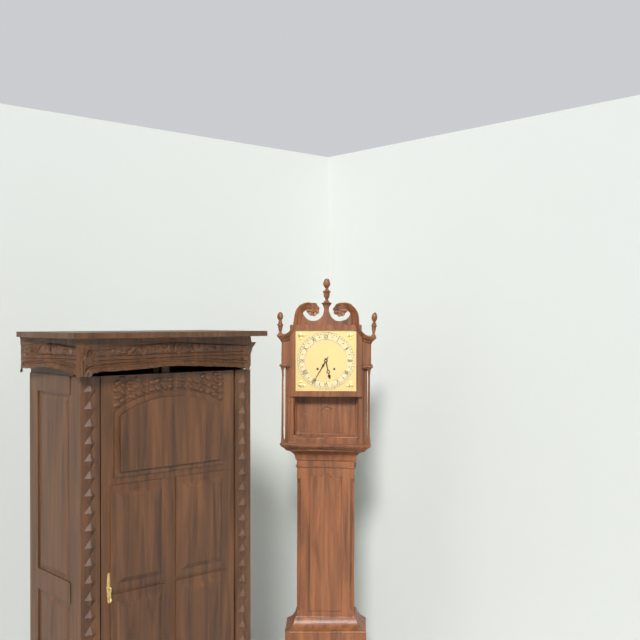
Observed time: 5:35
